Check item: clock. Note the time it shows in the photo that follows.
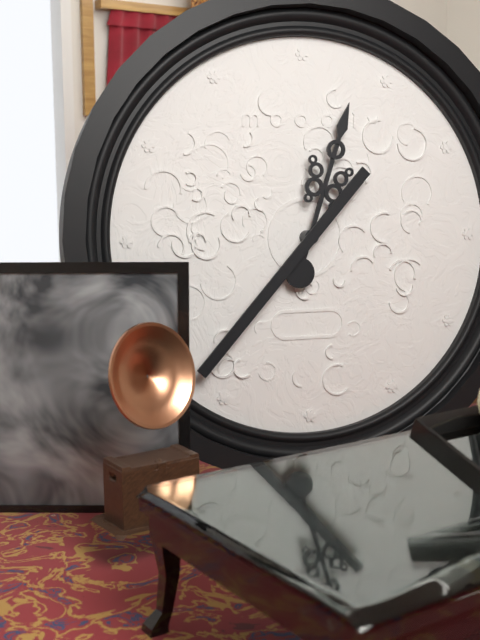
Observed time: 12:37
